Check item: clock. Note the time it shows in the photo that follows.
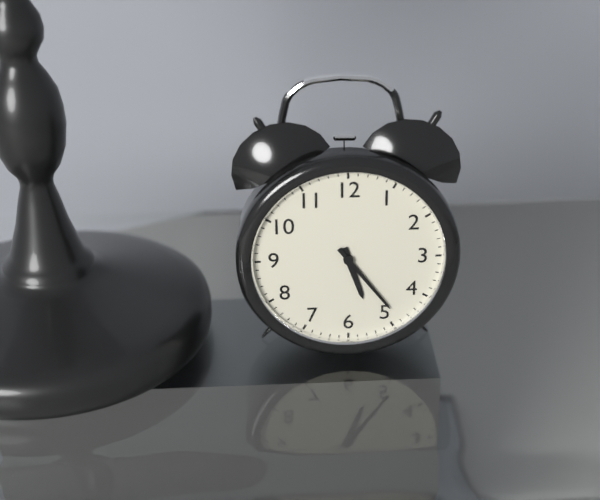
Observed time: 5:24
